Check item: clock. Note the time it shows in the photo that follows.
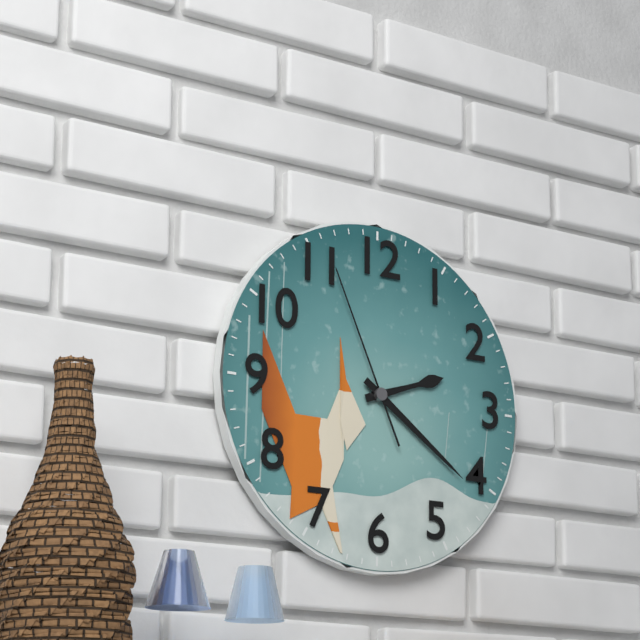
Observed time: 2:21:56
